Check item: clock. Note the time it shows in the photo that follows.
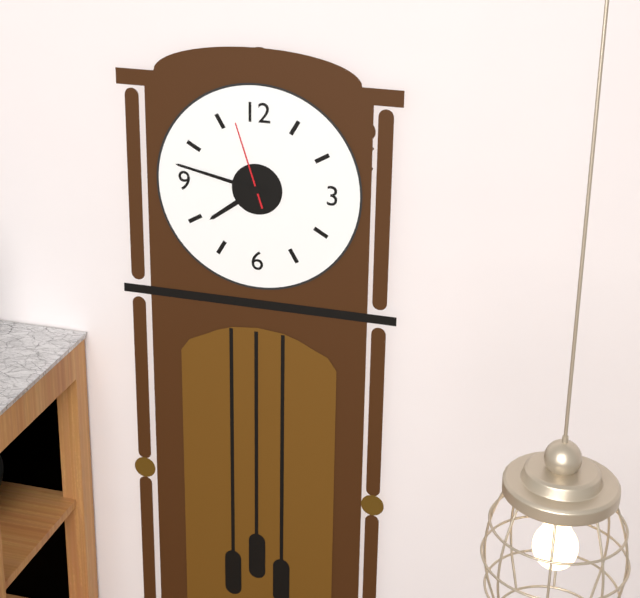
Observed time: 7:47:57
